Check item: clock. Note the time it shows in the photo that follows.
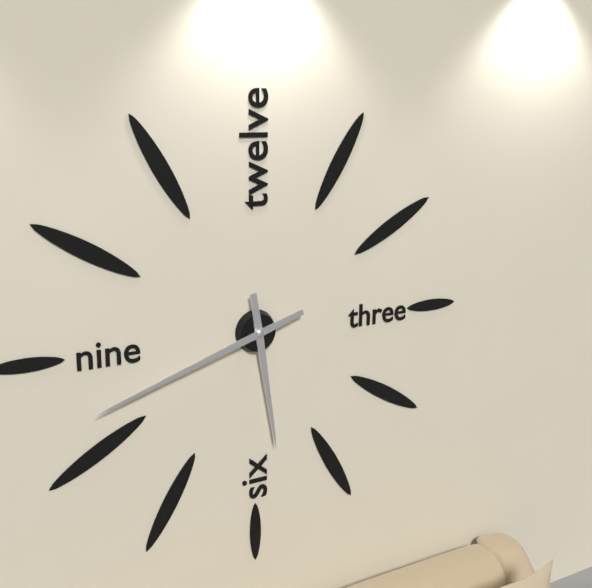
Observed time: 5:42
